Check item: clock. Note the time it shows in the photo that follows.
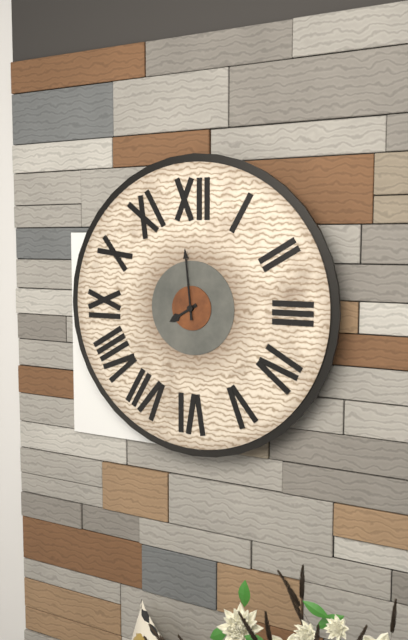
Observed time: 7:59
